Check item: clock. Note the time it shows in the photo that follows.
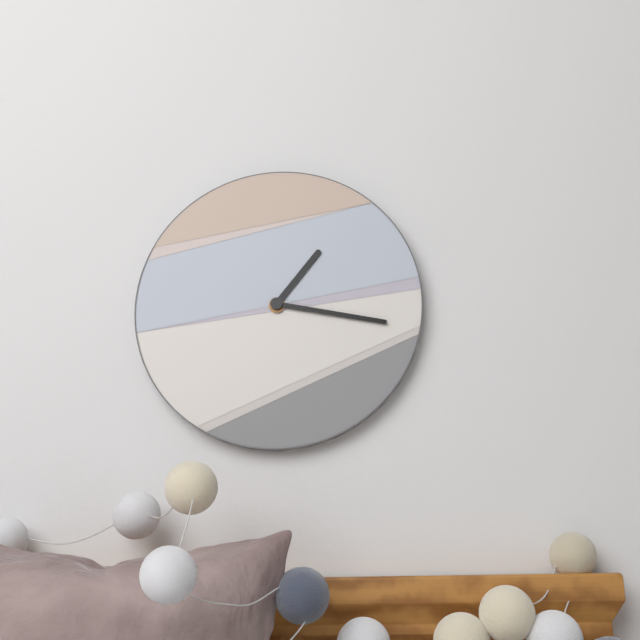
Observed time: 1:17
